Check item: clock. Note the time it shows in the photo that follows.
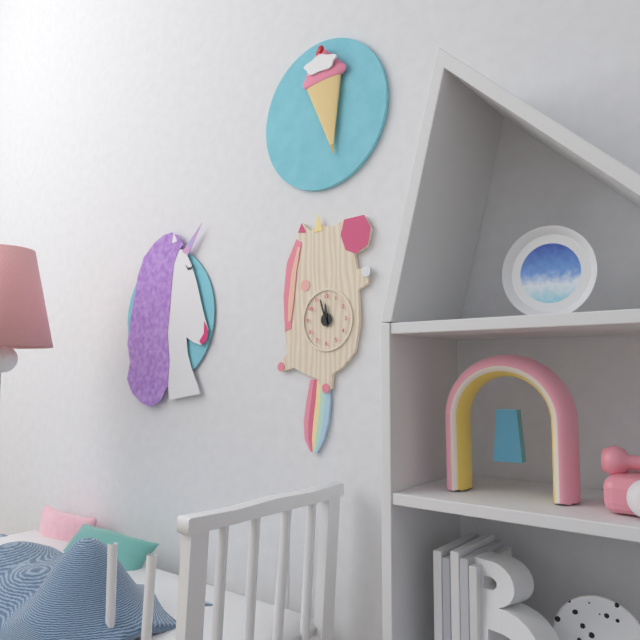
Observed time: 11:57
